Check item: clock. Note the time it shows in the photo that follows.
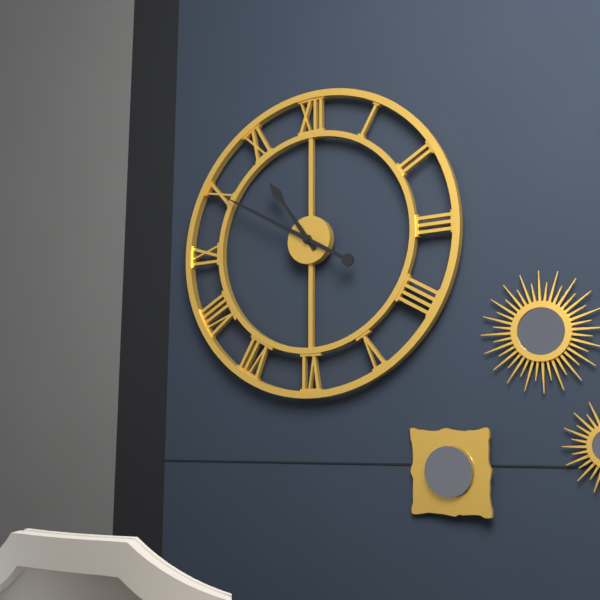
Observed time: 10:50
